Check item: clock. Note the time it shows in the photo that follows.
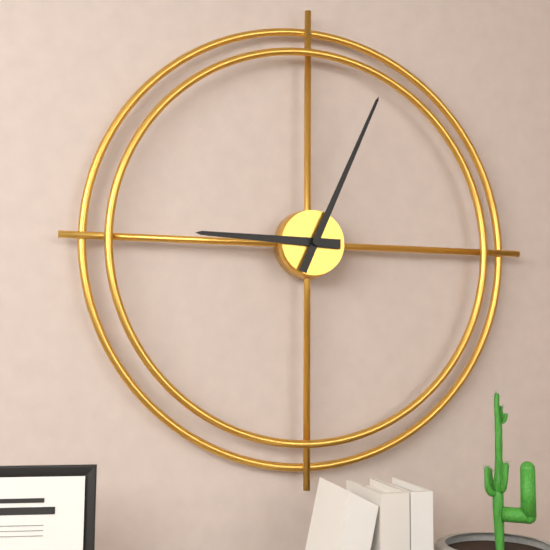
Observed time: 9:04
